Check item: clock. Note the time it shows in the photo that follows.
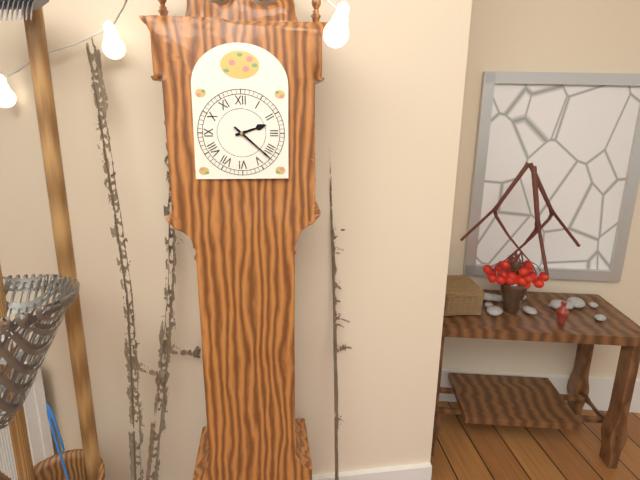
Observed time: 2:22
